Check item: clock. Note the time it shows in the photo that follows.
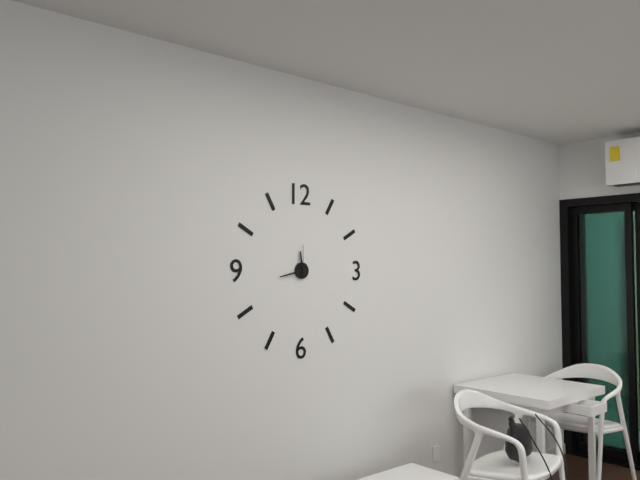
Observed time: 11:43
